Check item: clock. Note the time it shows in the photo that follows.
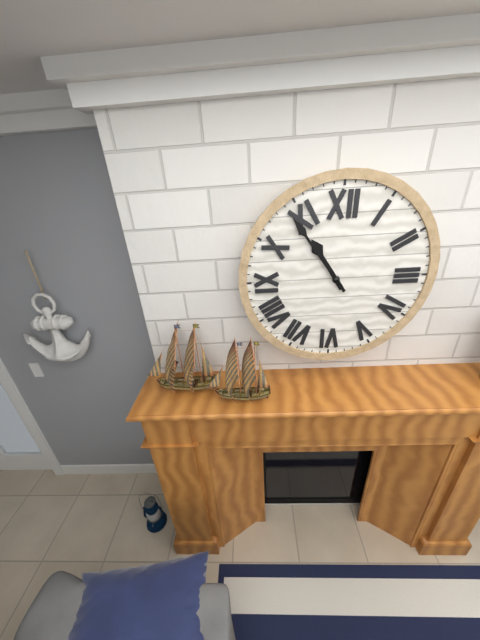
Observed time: 10:54
